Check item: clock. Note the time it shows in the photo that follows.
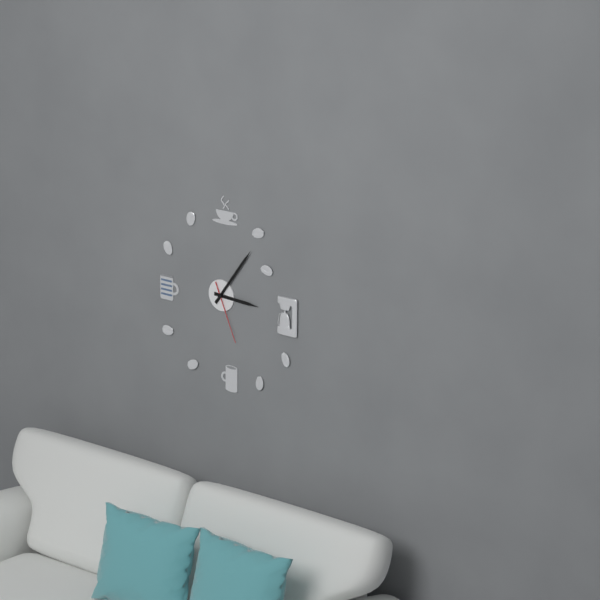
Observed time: 3:06:26
